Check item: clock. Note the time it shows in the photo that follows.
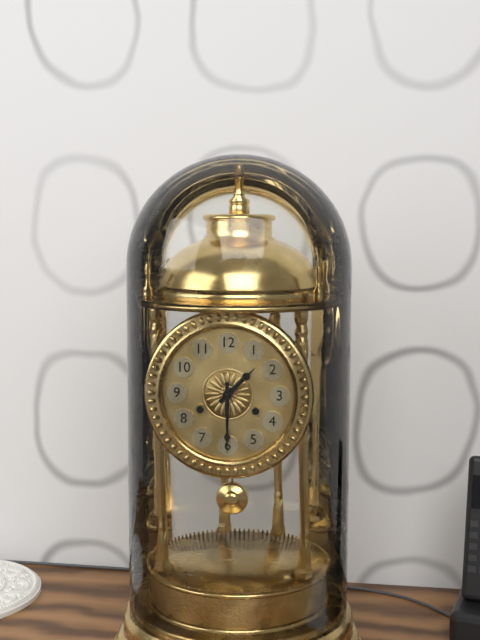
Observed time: 1:30
